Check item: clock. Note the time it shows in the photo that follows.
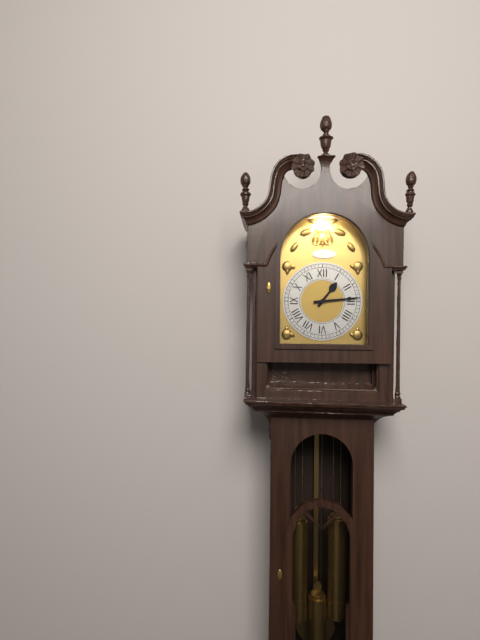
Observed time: 1:14
